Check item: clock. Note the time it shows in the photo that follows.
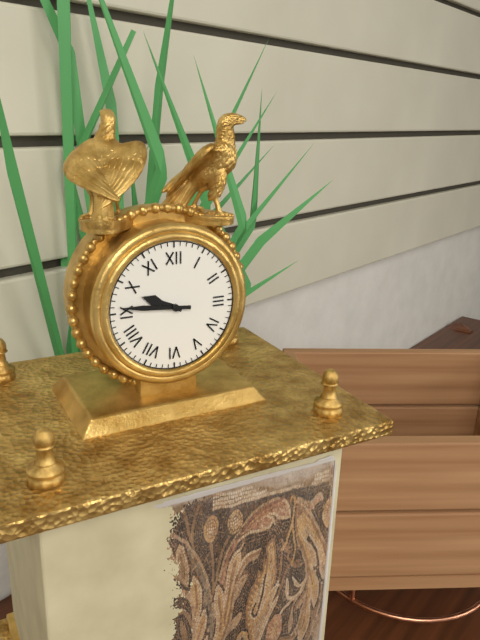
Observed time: 9:46
